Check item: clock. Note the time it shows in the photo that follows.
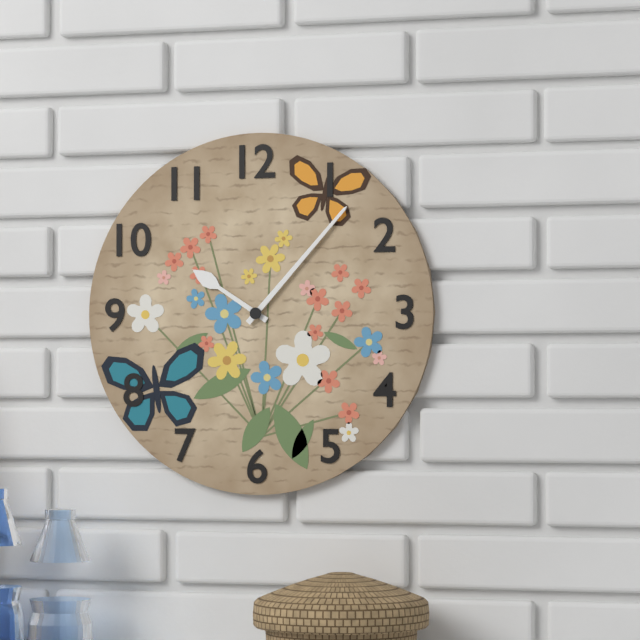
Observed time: 10:07
